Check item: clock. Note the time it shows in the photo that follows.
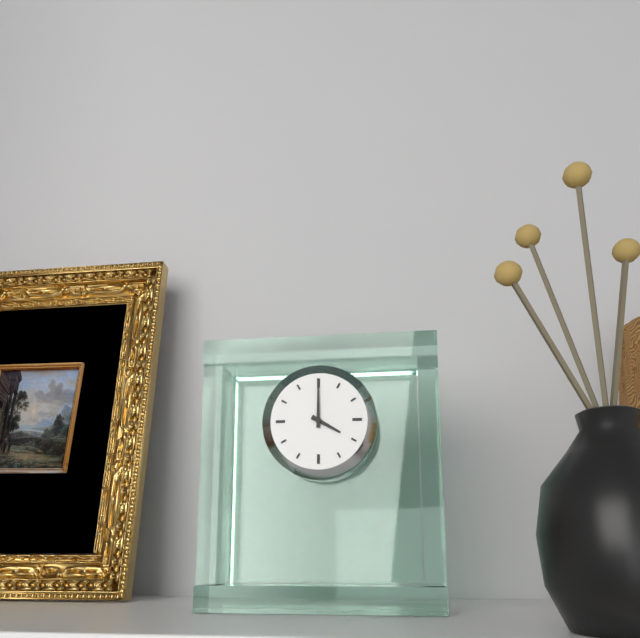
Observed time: 4:00
